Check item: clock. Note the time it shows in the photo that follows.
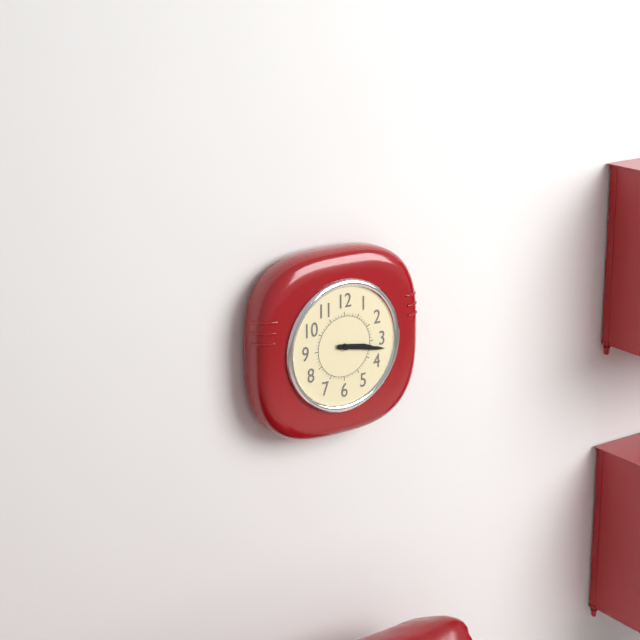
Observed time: 3:17
